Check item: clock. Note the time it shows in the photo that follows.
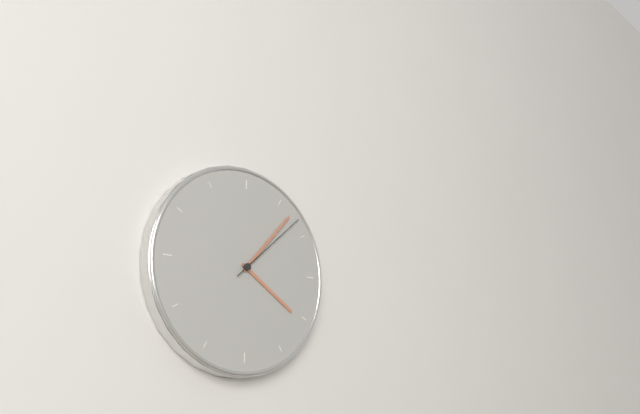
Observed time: 4:07:08
